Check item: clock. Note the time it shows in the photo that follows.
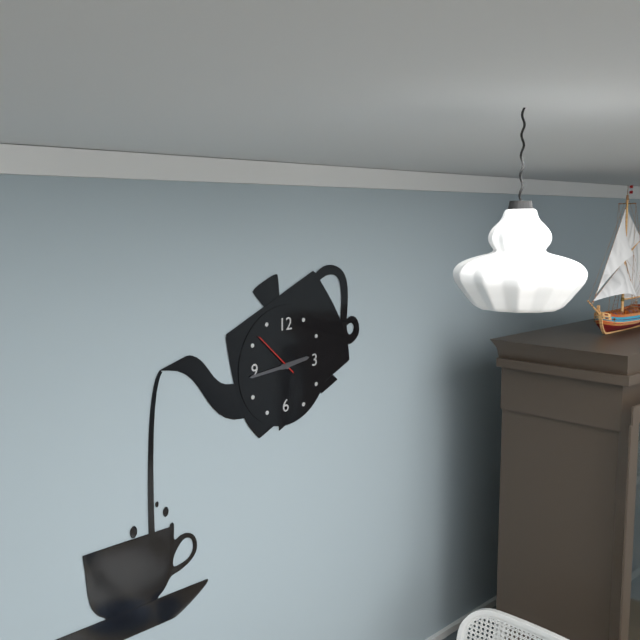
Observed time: 2:44:52
